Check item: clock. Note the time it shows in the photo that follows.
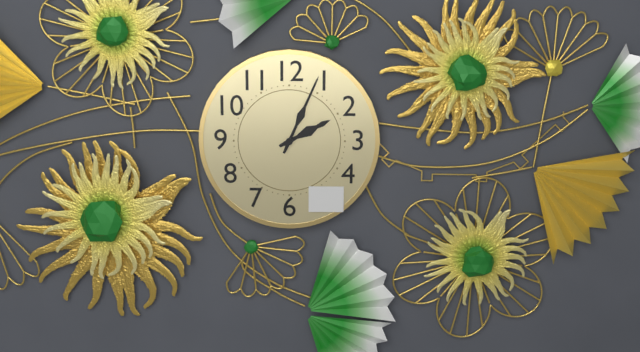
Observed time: 2:04
